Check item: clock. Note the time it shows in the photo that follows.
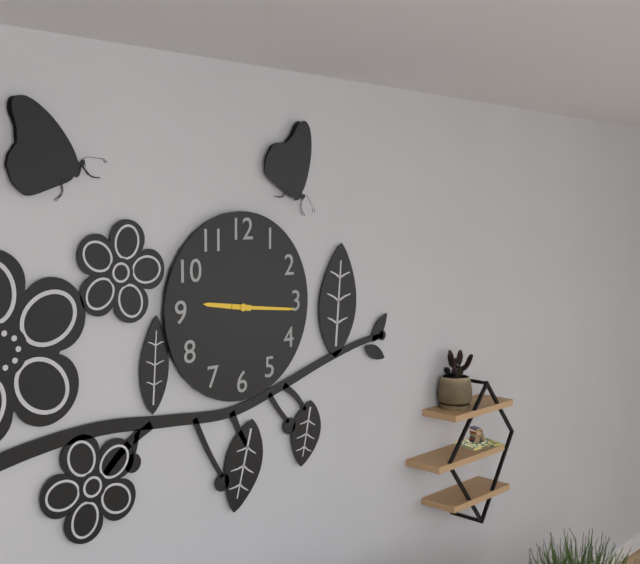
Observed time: 9:16
